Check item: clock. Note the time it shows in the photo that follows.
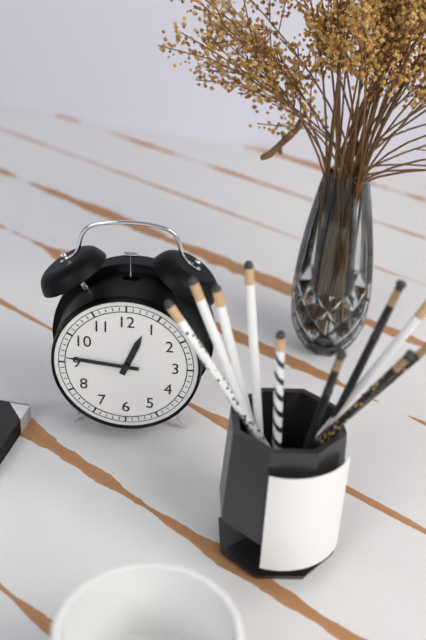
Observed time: 12:46
